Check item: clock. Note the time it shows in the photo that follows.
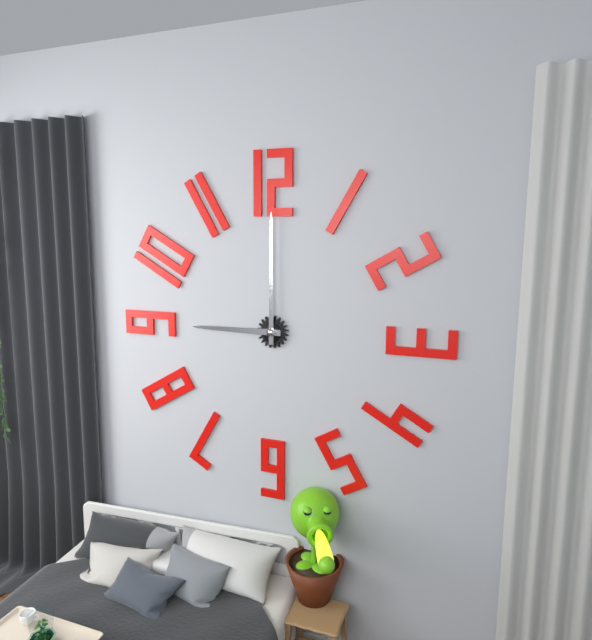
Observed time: 9:00
